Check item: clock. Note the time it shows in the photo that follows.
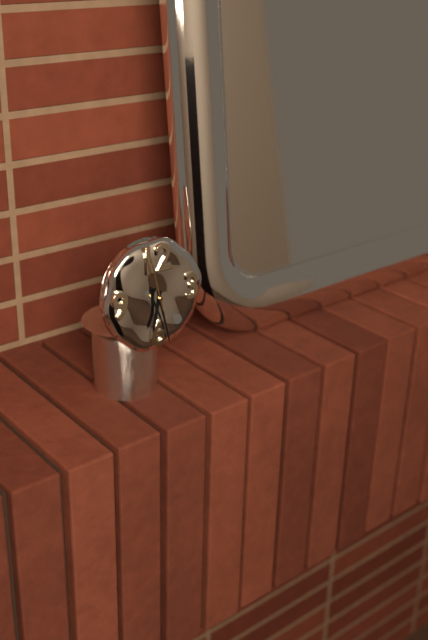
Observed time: 6:28:58
